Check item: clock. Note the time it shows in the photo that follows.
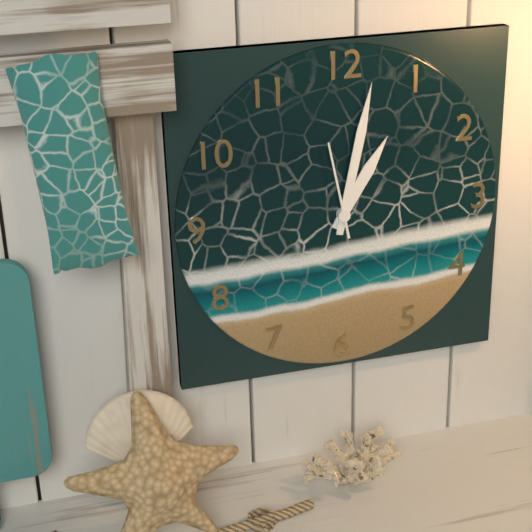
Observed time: 1:02:58
